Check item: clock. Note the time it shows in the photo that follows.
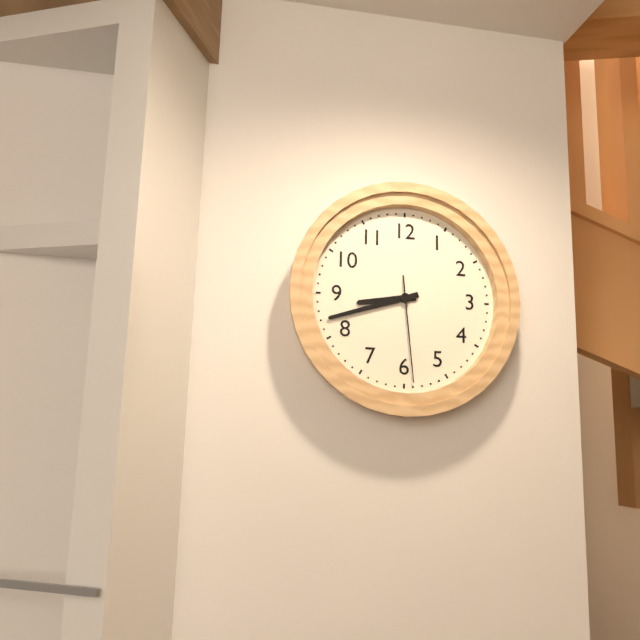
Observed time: 8:42:29
